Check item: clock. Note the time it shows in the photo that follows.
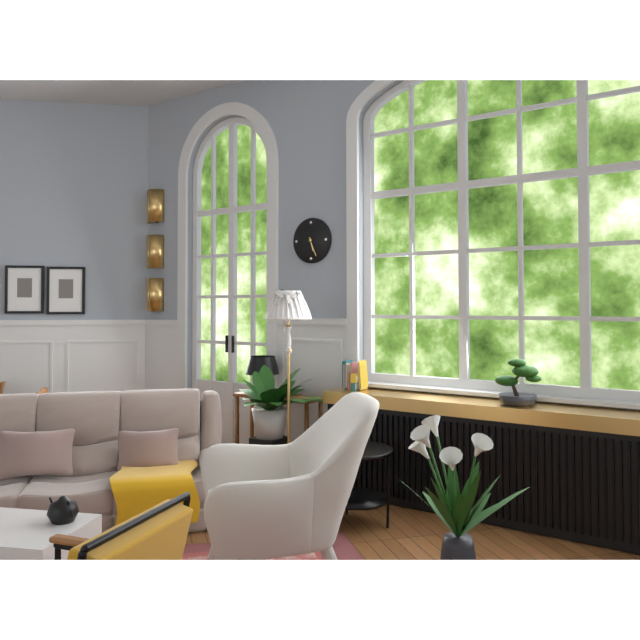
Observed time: 5:26
